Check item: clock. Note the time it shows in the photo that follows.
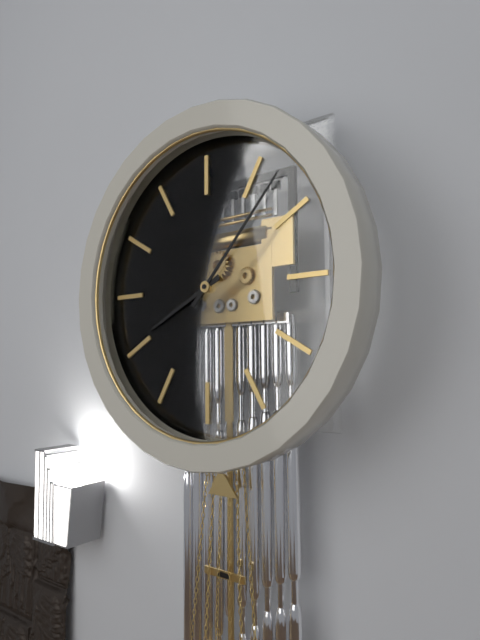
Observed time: 8:07
